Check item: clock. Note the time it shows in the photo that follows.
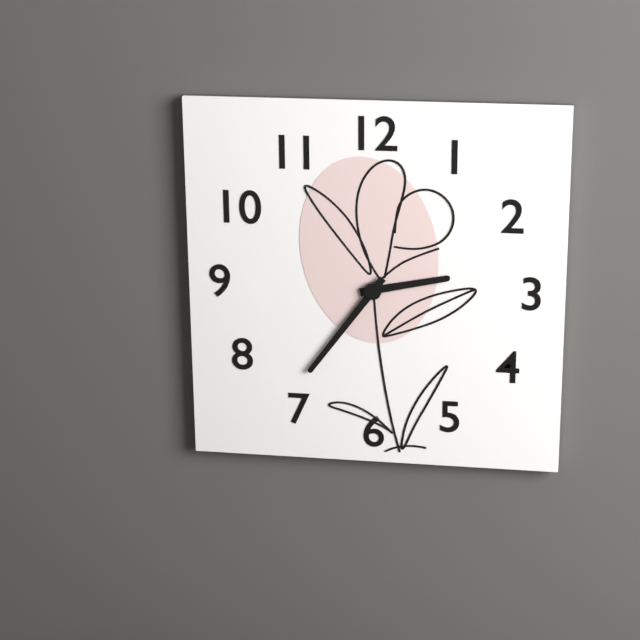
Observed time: 2:36
